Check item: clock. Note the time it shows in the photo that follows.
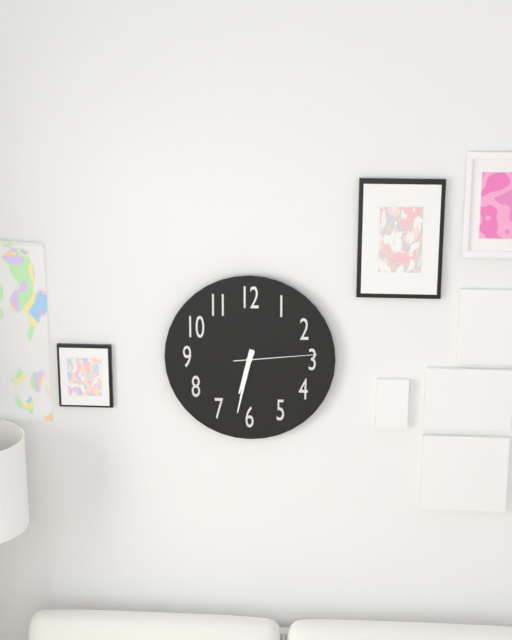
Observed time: 6:32:14
